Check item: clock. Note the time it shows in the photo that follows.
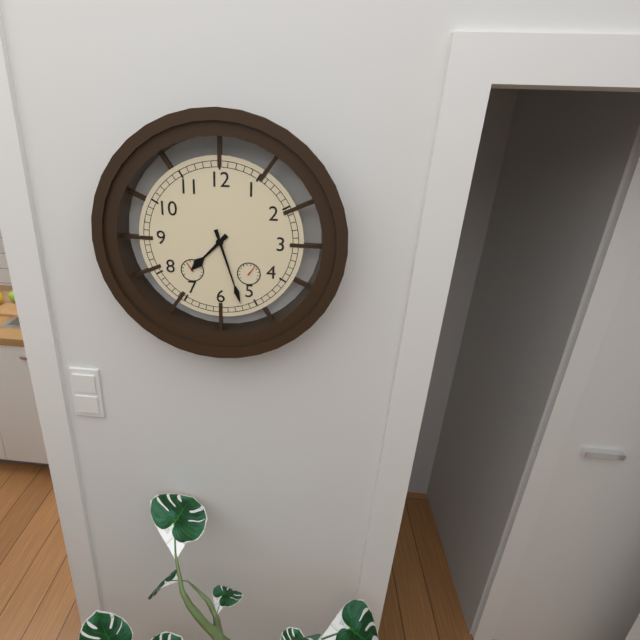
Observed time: 7:27
